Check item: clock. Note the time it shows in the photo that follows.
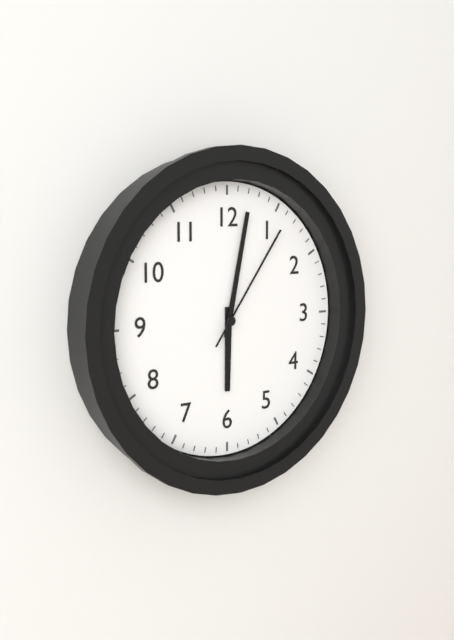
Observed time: 6:02:06
